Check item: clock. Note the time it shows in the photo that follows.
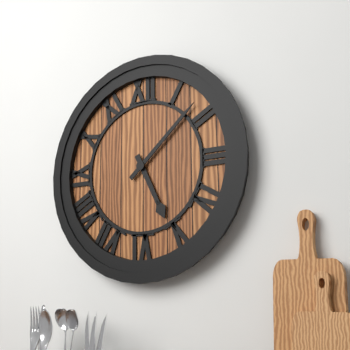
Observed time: 5:08
